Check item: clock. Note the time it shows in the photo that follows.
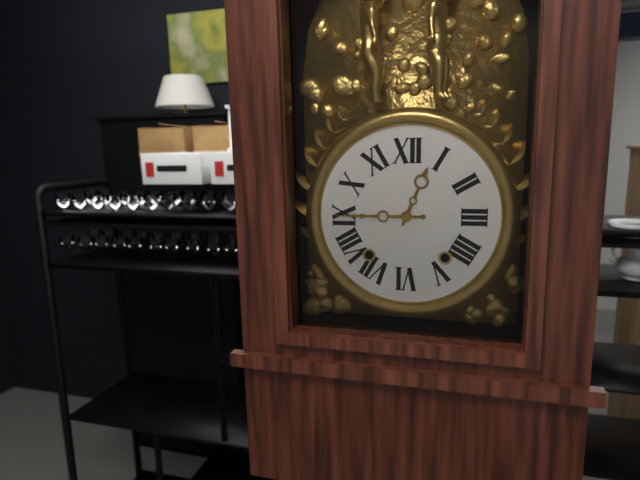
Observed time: 12:45
